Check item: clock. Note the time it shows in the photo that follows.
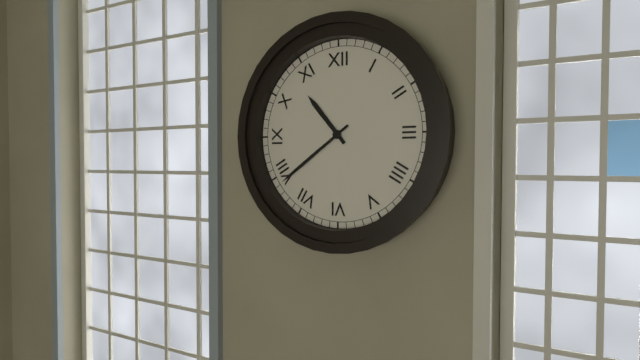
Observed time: 10:39
